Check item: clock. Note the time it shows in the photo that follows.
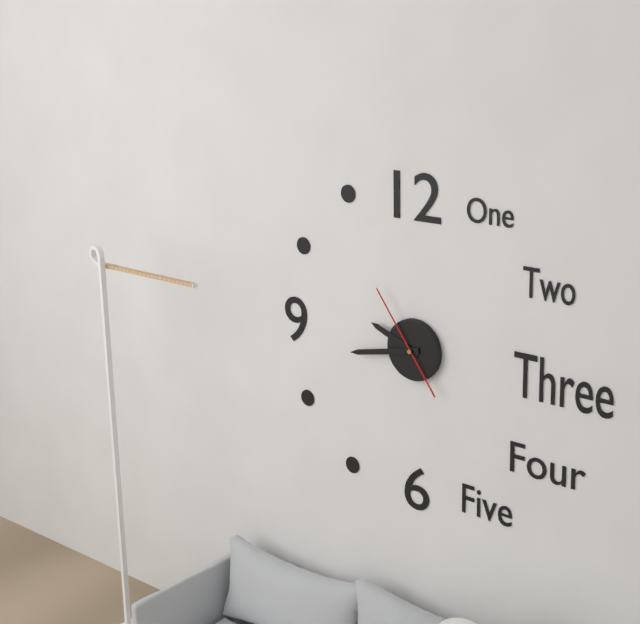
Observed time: 9:43:54
